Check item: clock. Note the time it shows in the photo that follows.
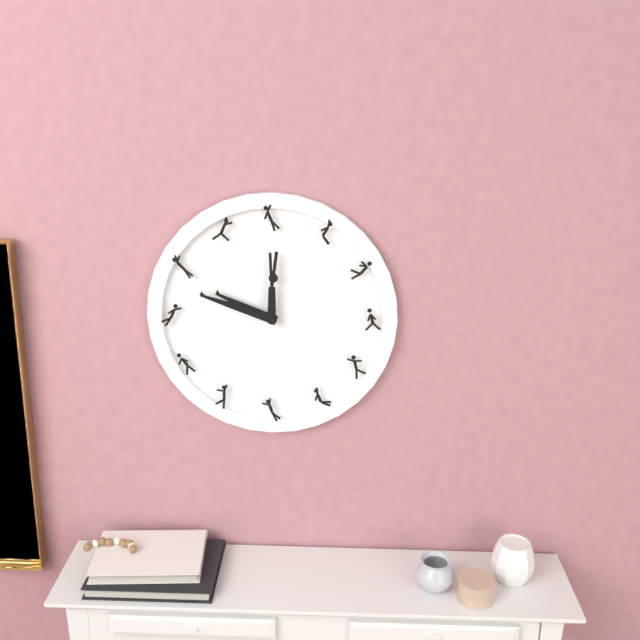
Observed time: 9:48
